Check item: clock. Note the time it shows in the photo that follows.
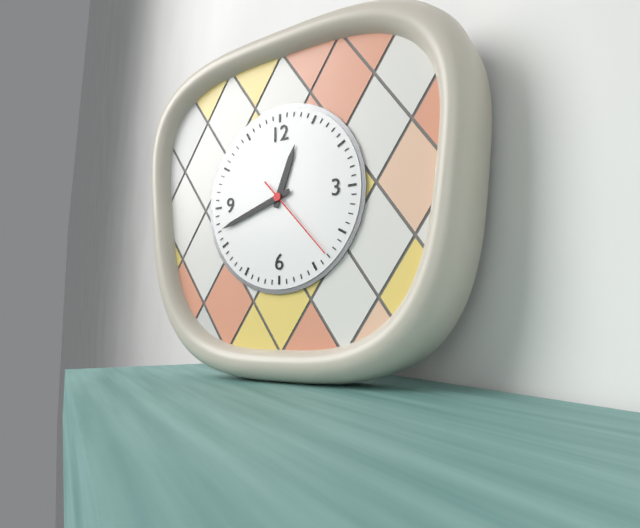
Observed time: 12:42:23
